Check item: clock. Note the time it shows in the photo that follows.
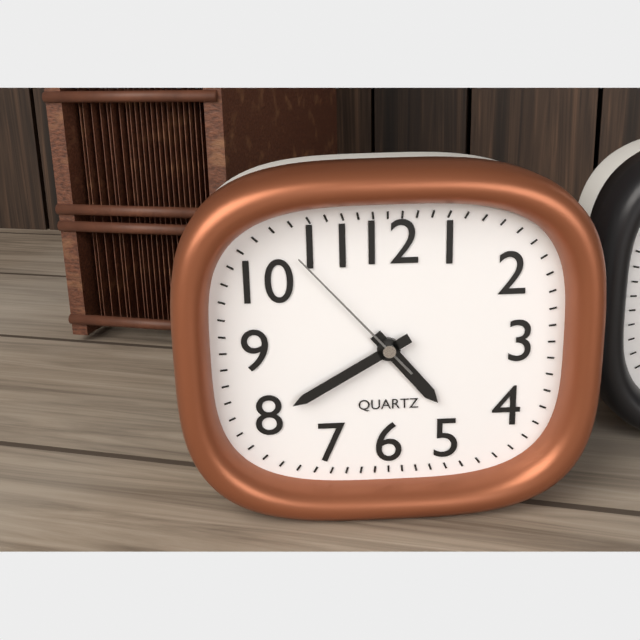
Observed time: 4:40:53
